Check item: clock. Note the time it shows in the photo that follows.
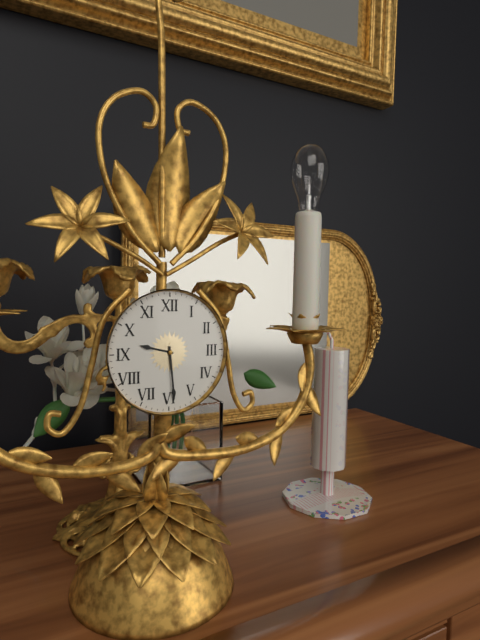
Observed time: 9:29
